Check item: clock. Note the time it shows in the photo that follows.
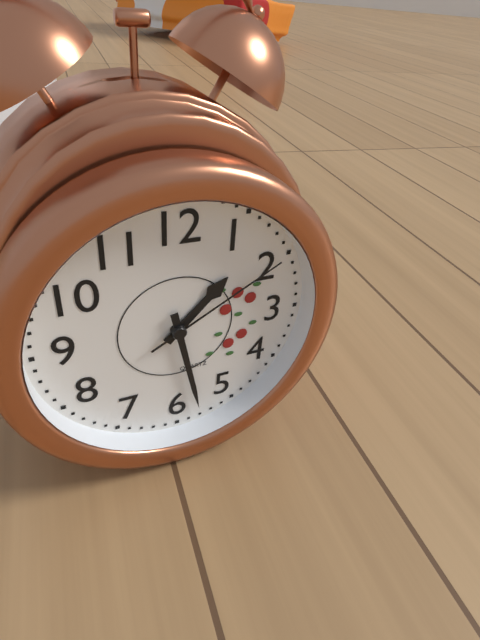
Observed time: 1:28:10
